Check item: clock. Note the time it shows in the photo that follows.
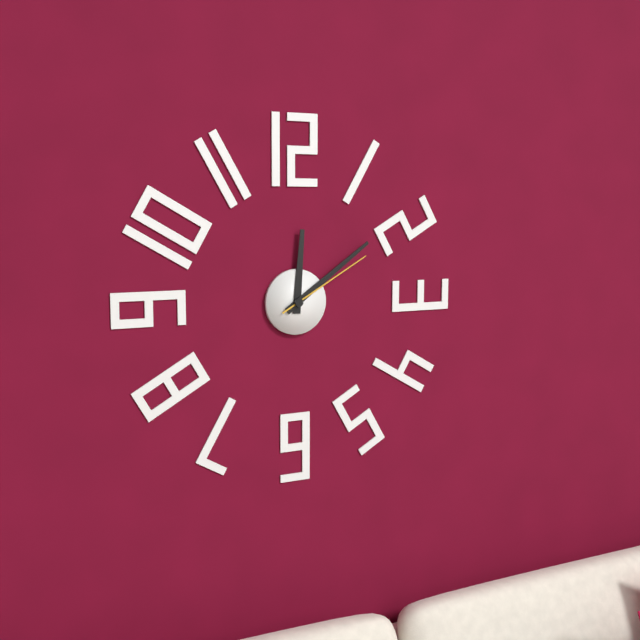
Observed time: 12:09:10
